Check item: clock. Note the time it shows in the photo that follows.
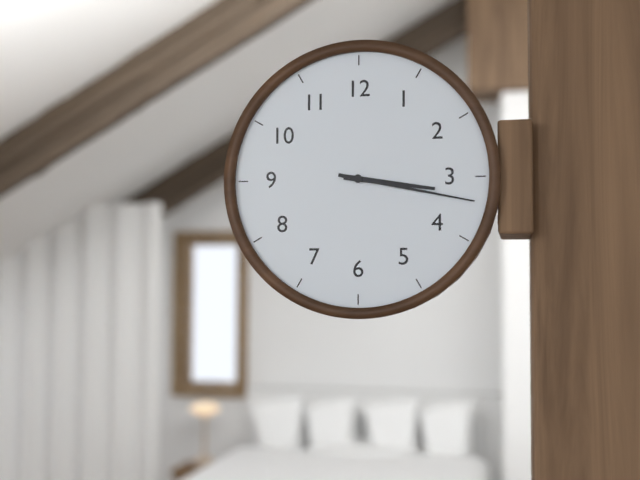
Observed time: 3:17
